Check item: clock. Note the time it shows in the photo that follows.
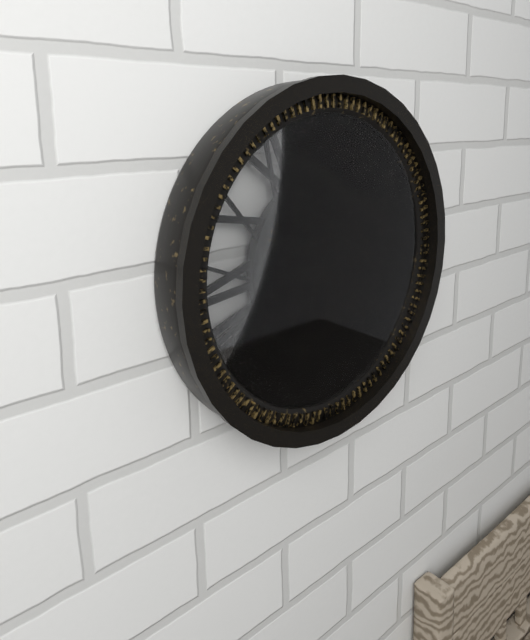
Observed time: 11:38
